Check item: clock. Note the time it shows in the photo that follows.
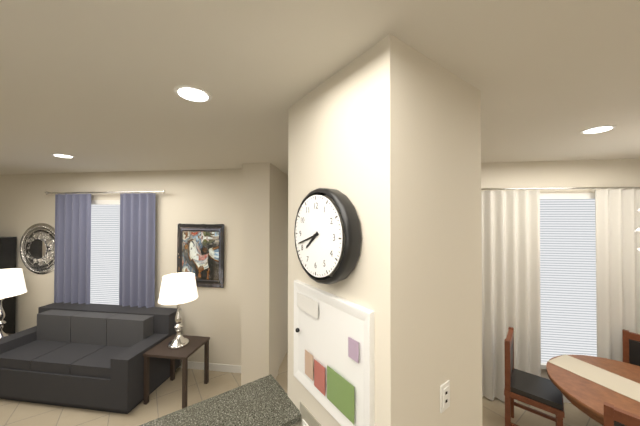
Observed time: 7:42
